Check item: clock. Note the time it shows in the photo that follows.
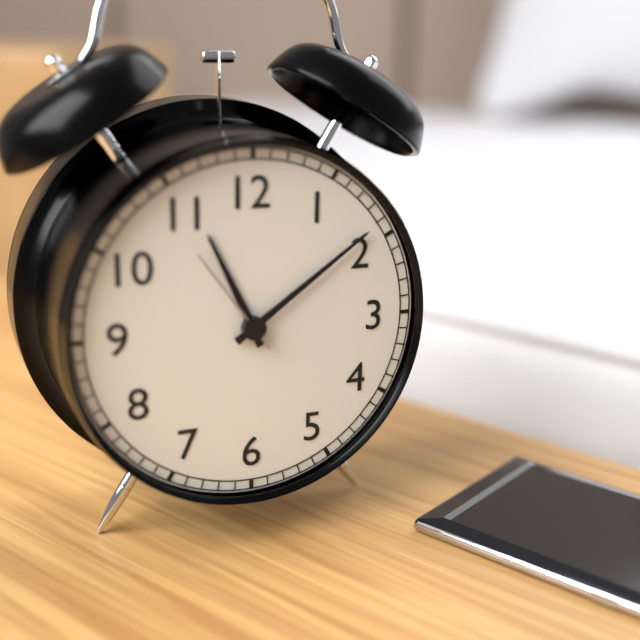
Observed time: 11:09:54
